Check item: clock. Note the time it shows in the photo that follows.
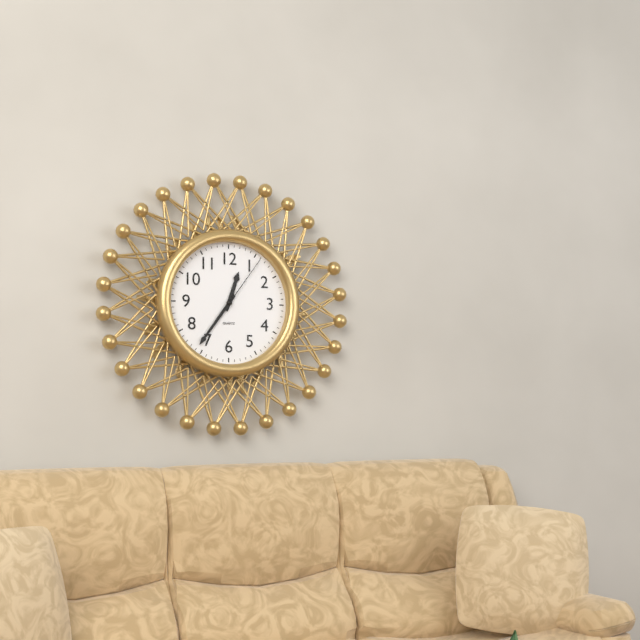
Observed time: 12:36:06
